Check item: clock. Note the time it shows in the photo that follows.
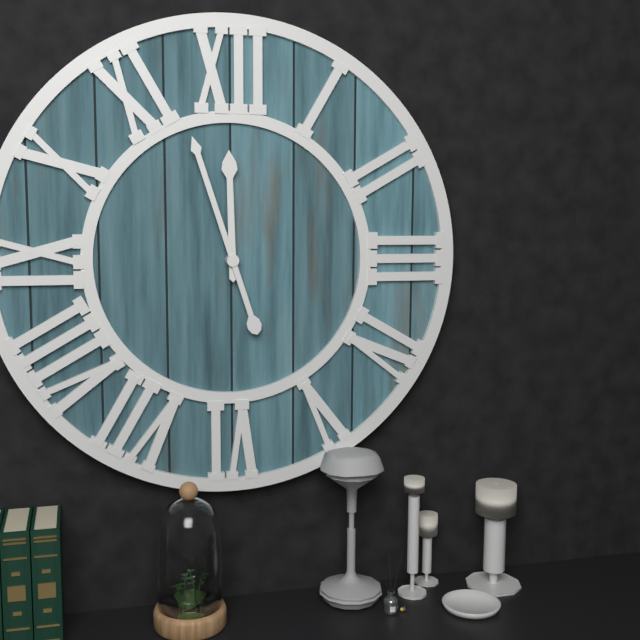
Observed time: 11:57
